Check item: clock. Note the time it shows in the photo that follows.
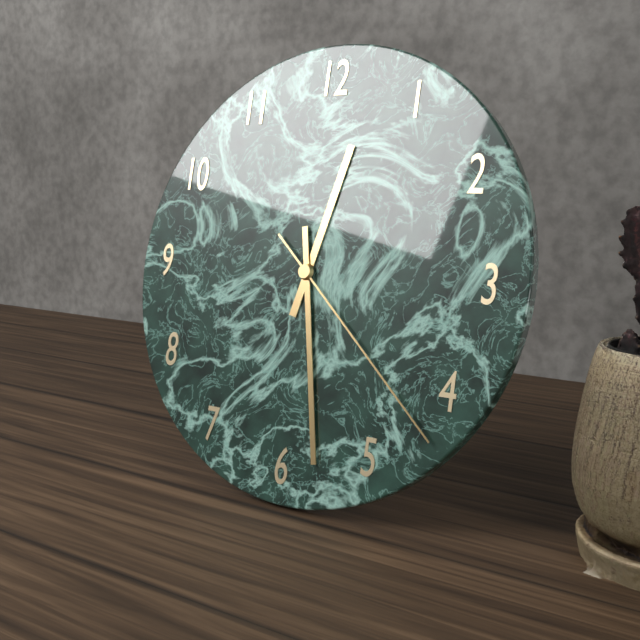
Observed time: 12:28:22
